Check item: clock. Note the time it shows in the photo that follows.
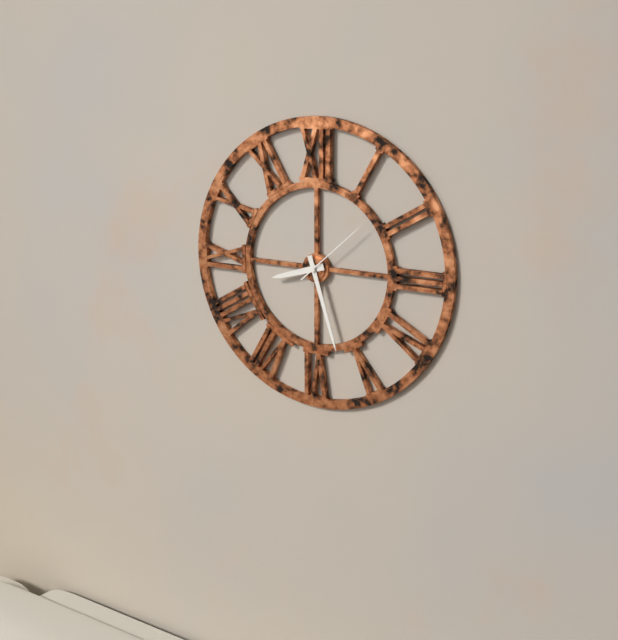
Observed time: 8:27:08
